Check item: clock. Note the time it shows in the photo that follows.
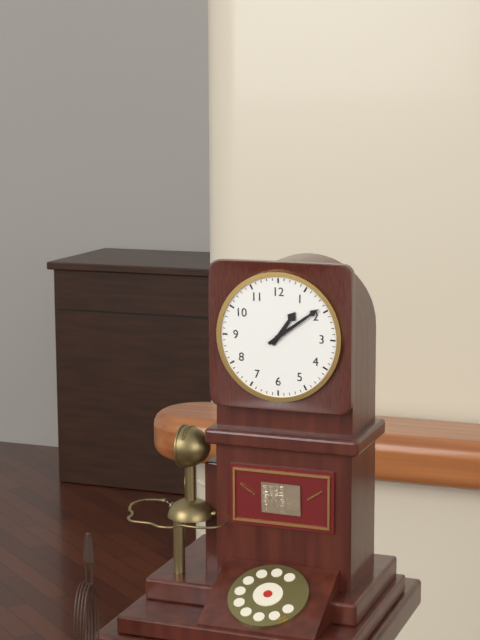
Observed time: 1:09
